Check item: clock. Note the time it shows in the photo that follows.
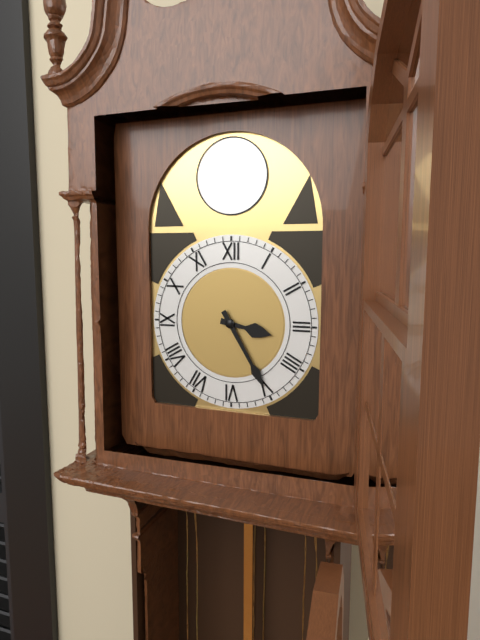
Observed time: 3:25
